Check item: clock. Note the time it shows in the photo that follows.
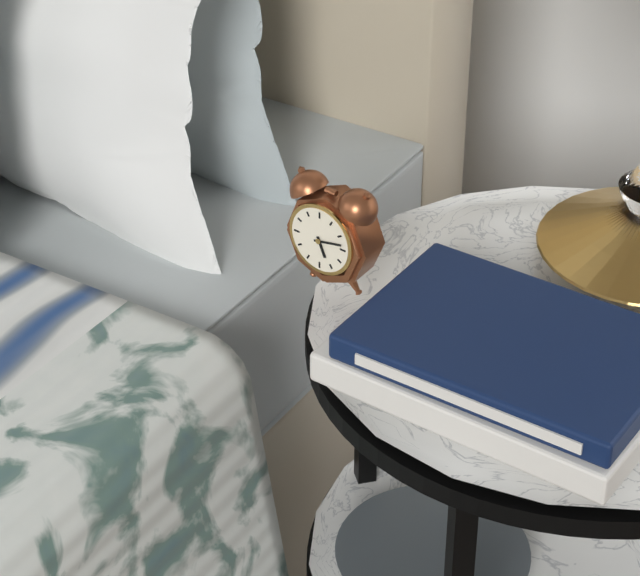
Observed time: 5:13
